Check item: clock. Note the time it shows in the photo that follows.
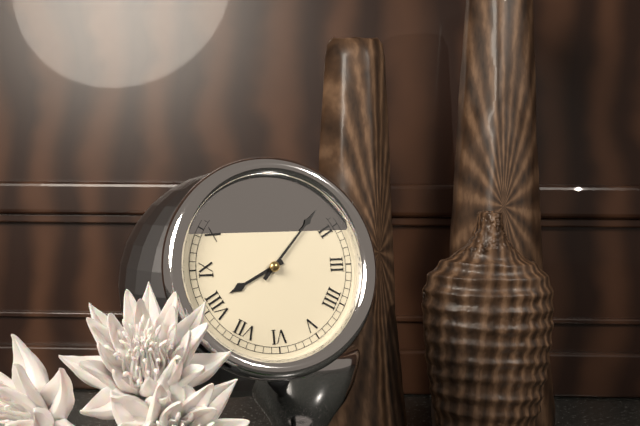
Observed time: 8:07
